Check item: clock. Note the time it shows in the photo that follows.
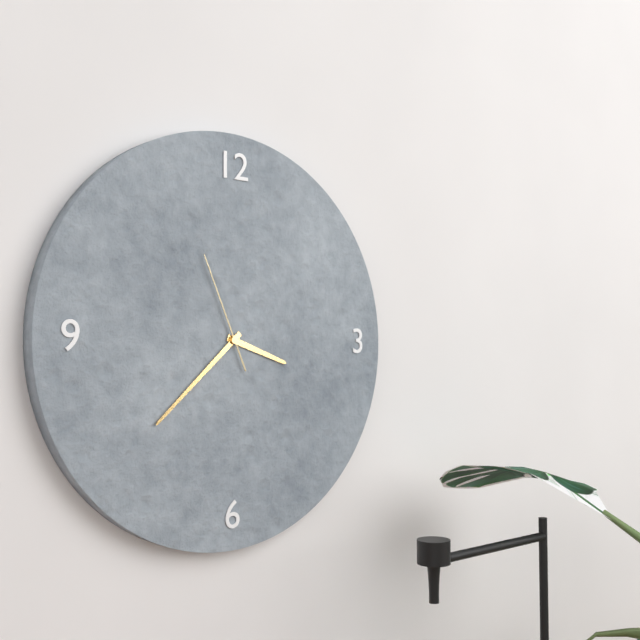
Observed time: 3:38:56
